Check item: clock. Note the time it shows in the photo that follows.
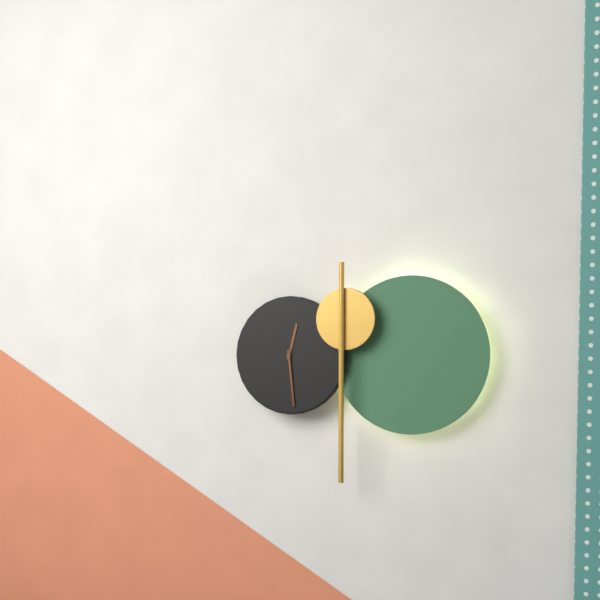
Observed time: 12:29
